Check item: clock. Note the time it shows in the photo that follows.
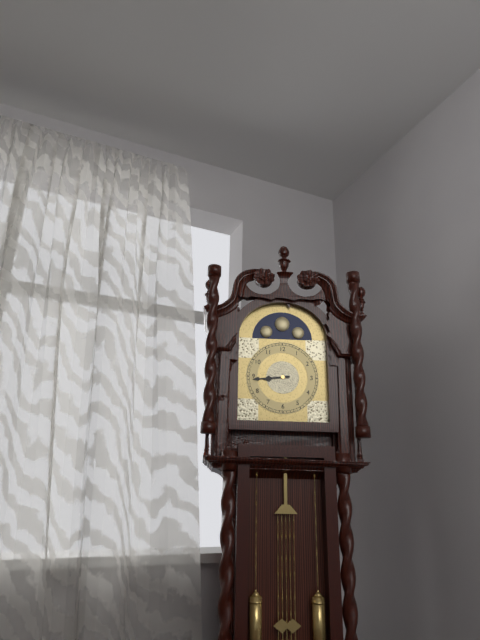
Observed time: 8:44
